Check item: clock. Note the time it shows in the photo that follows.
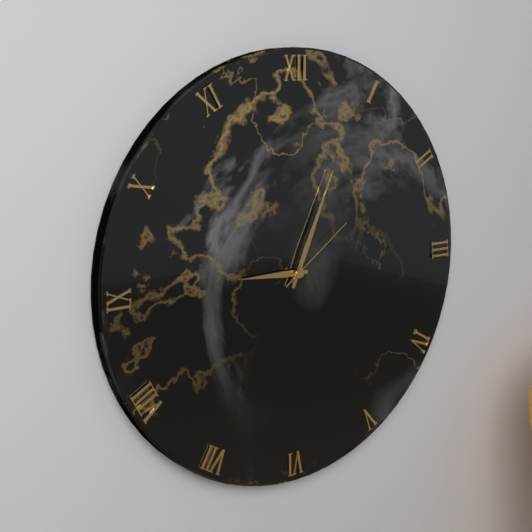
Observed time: 9:04:09
